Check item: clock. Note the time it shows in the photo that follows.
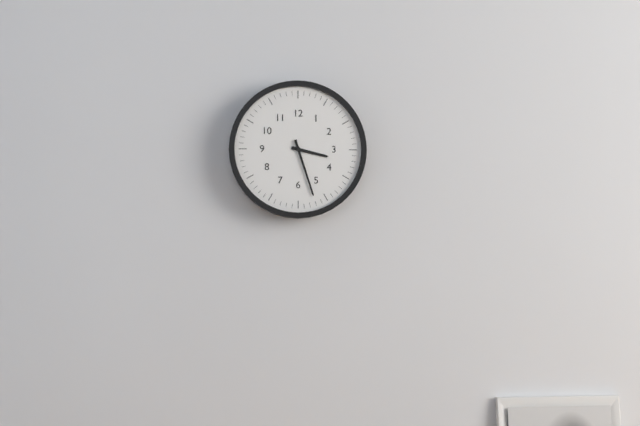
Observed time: 3:27
